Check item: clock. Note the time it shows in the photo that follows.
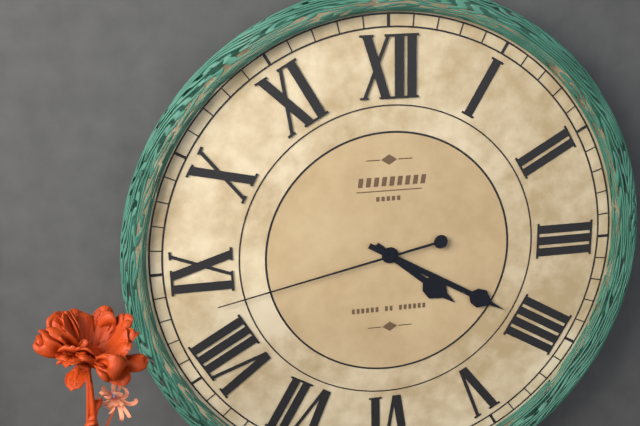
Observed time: 4:20:43
